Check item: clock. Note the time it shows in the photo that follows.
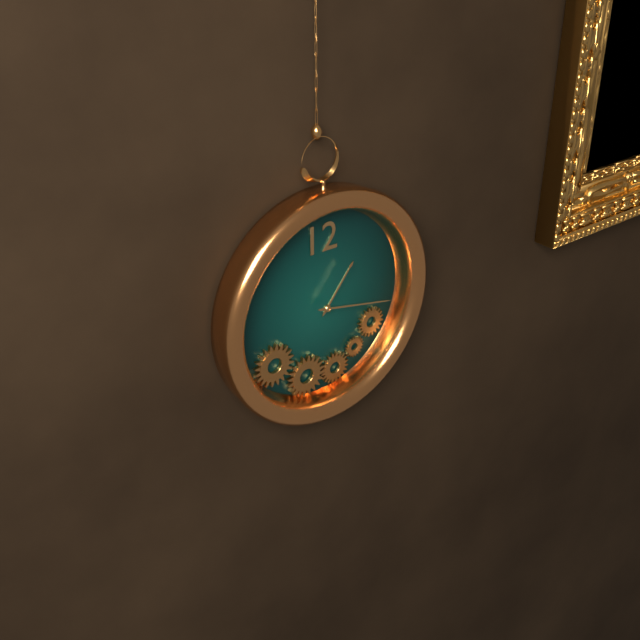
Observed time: 1:17
